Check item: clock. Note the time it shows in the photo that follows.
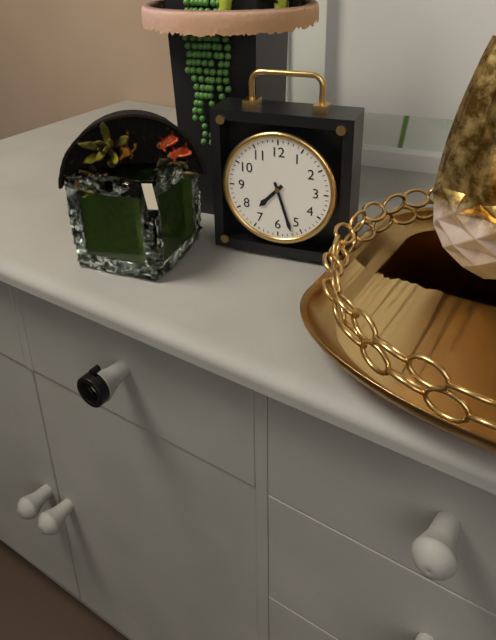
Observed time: 7:27
